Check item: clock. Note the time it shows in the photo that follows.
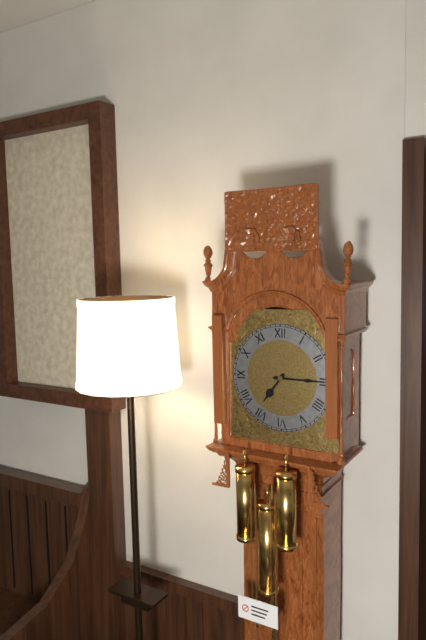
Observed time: 7:15
